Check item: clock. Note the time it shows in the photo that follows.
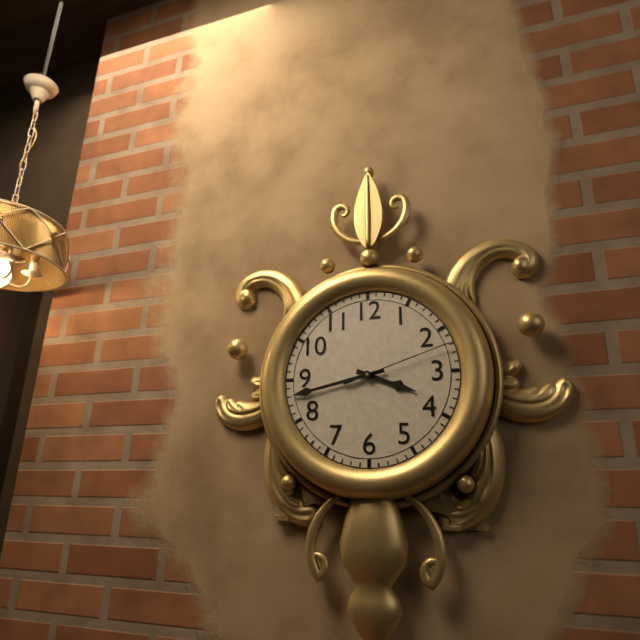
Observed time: 3:43:12
